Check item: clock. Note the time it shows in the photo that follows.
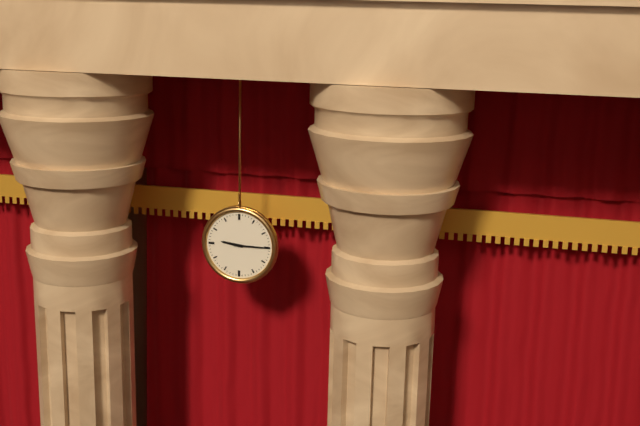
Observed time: 9:15
